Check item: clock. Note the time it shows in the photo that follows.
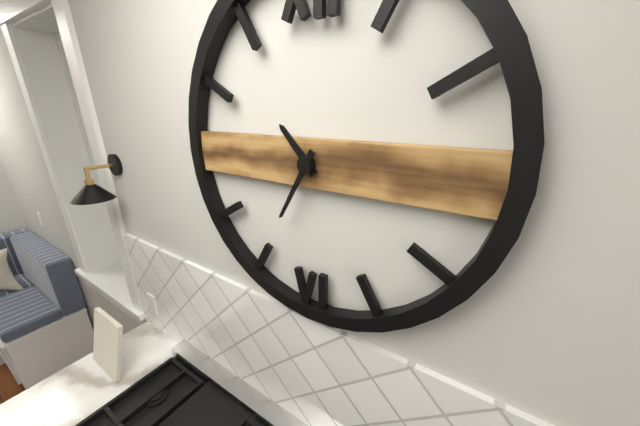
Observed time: 10:35
